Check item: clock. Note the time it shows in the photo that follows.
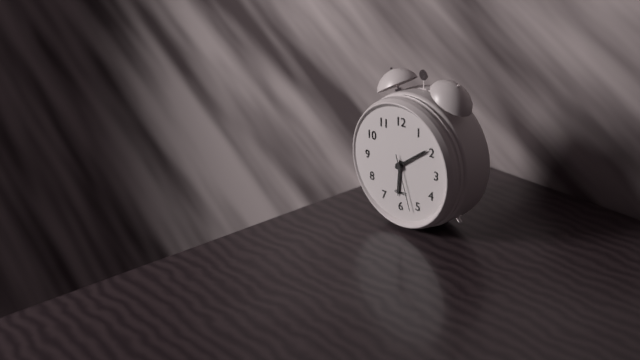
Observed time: 6:09:27
